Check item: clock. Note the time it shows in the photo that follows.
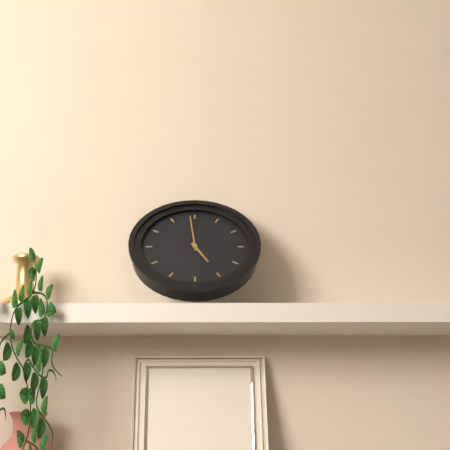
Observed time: 4:59
